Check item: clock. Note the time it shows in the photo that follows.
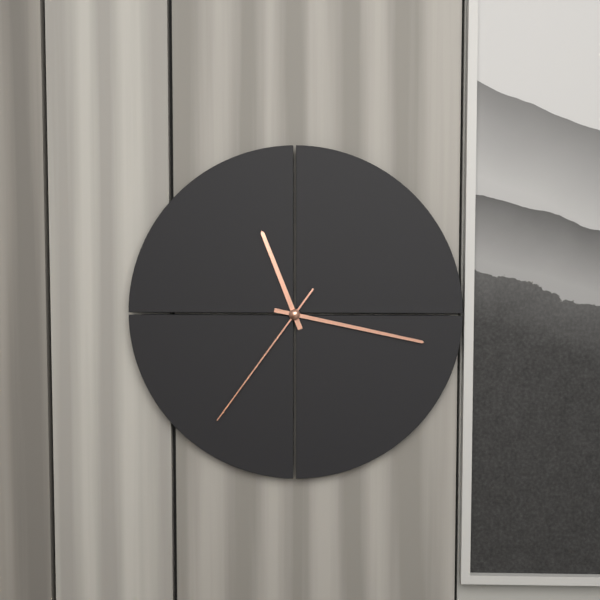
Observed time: 11:17:36
